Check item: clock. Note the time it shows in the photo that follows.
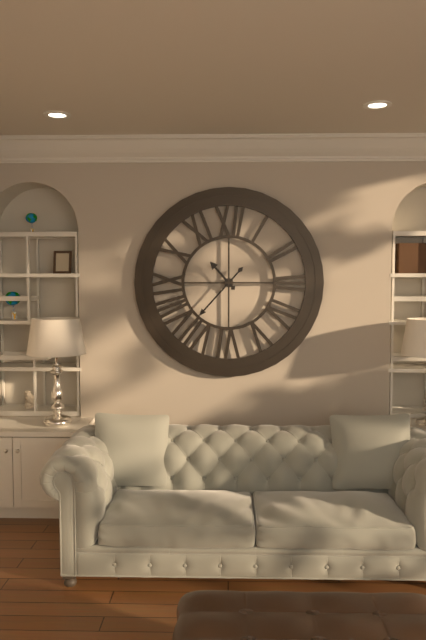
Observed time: 10:37
